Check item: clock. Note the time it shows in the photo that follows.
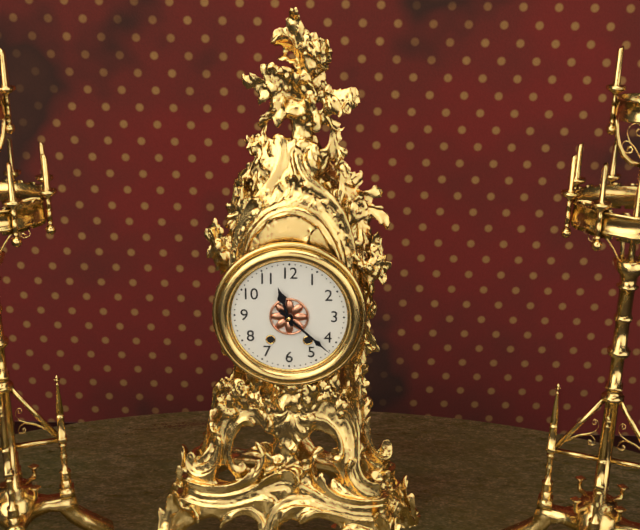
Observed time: 11:22
